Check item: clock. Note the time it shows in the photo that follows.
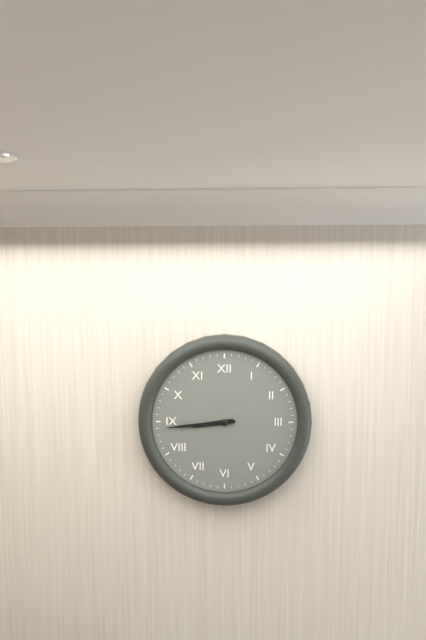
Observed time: 8:44
